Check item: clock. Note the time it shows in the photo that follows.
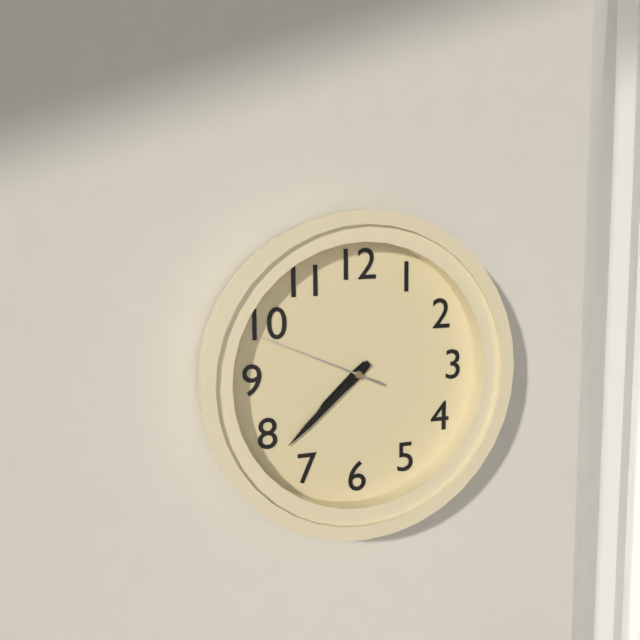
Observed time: 7:38:49
